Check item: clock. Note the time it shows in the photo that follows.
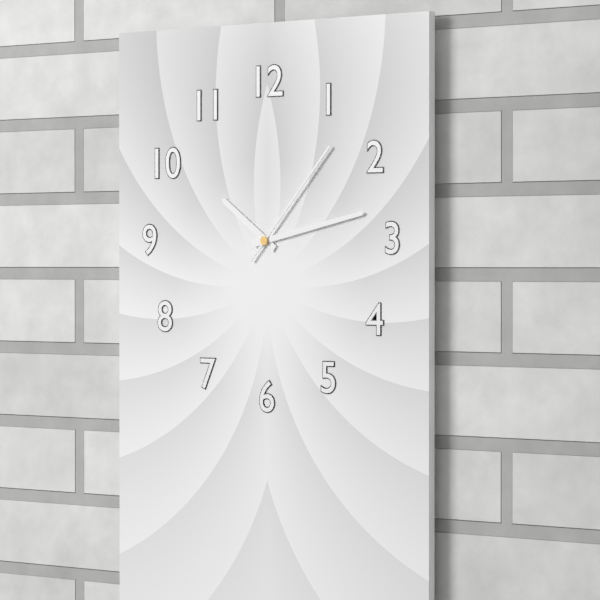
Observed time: 10:13:07
